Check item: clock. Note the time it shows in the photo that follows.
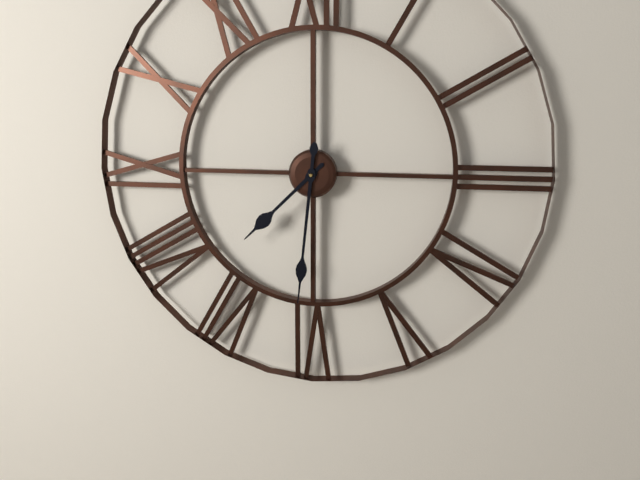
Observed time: 7:31
